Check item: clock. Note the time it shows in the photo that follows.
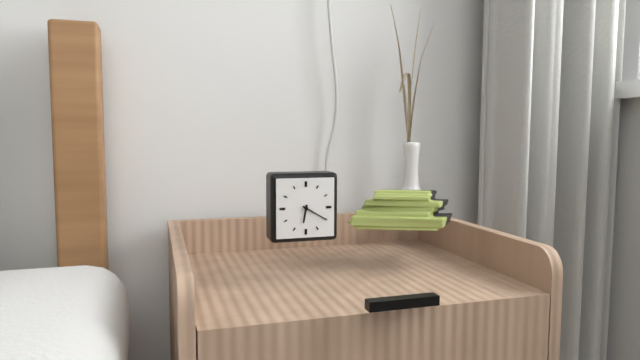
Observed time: 6:20
